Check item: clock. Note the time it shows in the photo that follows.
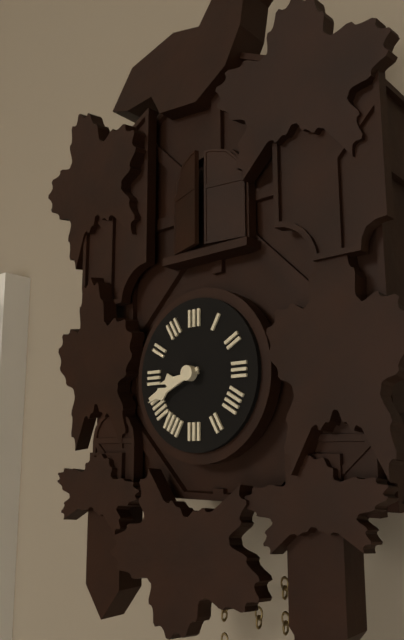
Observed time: 8:41
